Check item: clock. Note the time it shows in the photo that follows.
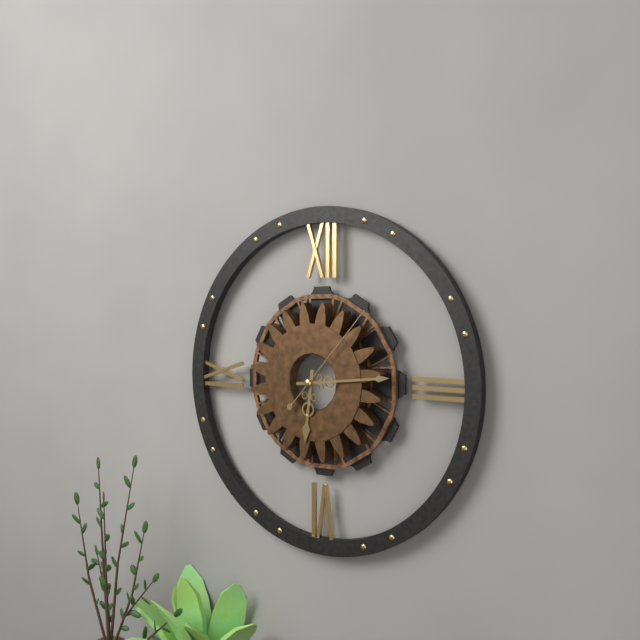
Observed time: 6:14:07
